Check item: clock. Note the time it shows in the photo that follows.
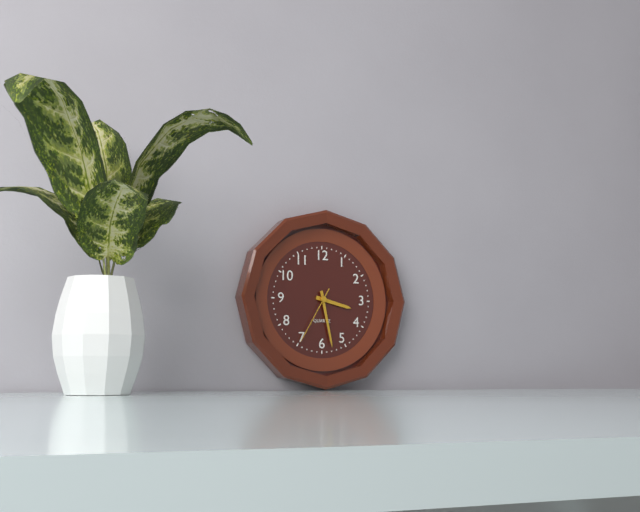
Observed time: 3:28:35
